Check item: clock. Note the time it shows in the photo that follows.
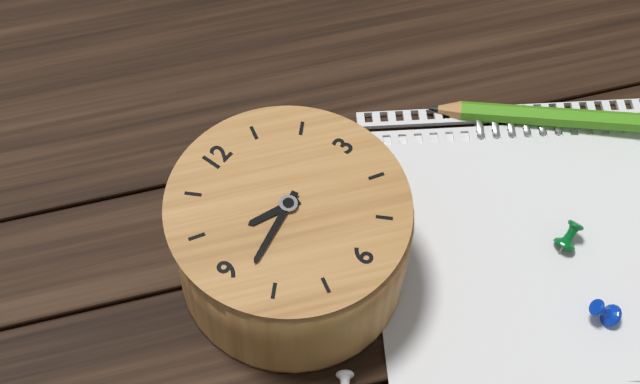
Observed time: 9:43
